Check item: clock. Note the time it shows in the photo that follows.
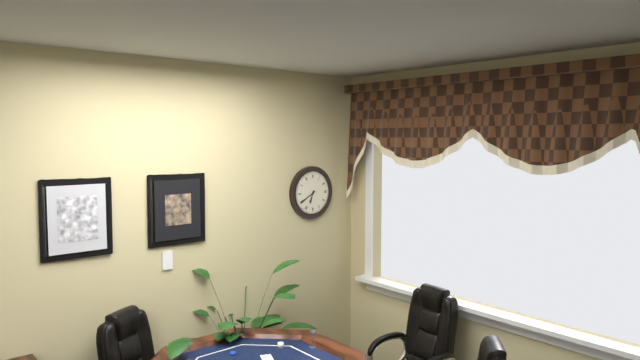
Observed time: 6:40
